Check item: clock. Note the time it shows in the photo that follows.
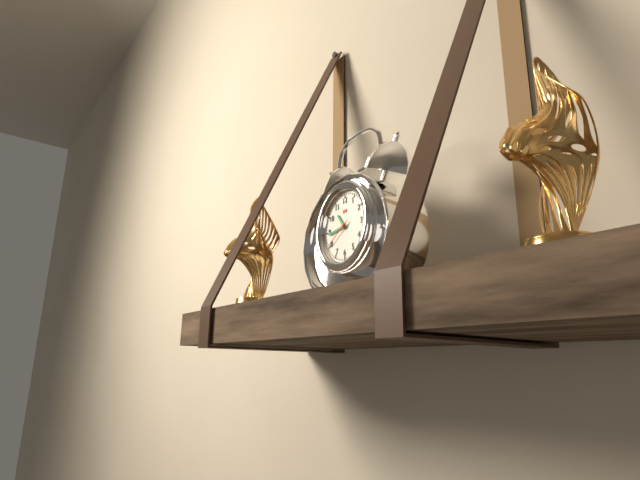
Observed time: 10:44
